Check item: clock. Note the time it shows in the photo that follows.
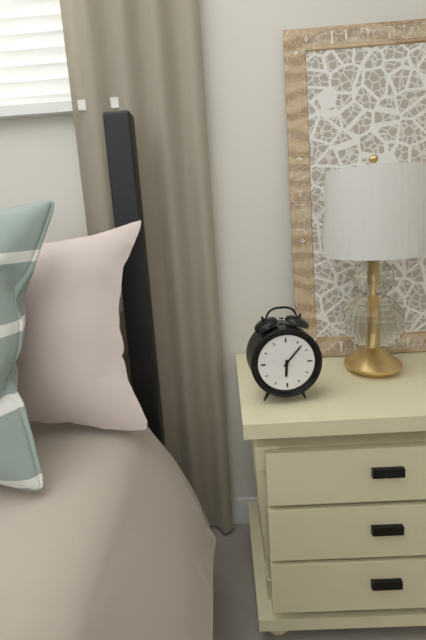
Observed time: 6:07
